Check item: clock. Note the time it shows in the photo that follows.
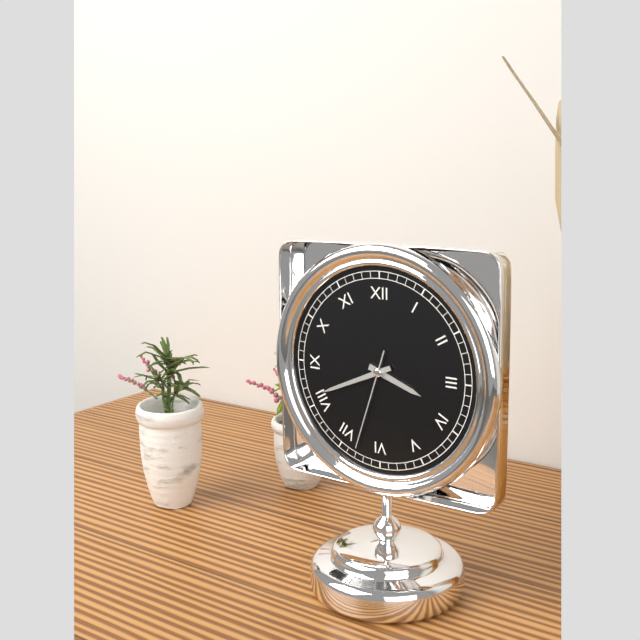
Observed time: 3:41:33
